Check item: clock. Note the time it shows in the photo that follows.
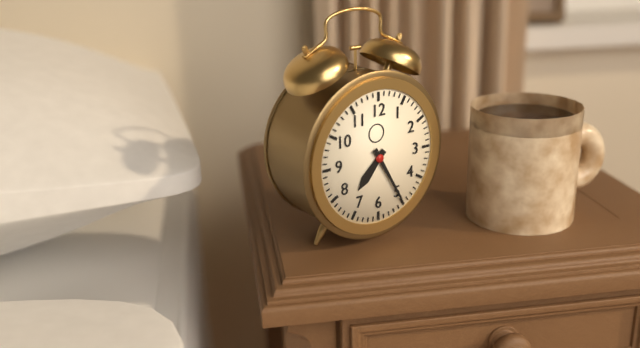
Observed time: 7:25
